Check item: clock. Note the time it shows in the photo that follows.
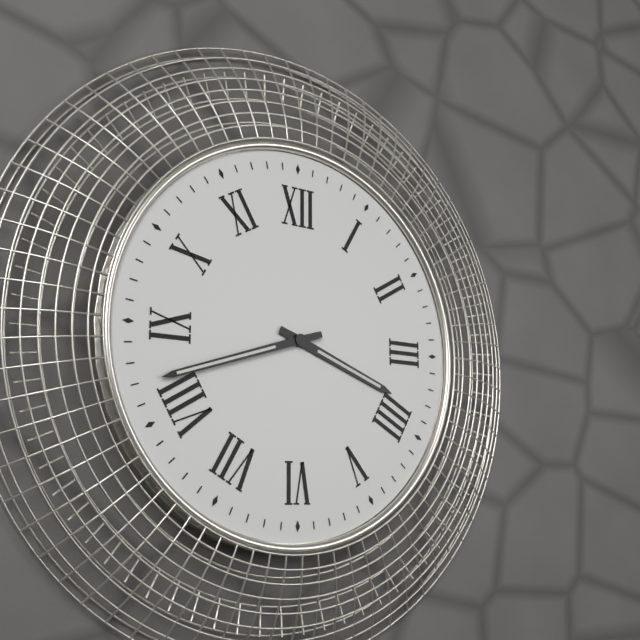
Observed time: 3:42
